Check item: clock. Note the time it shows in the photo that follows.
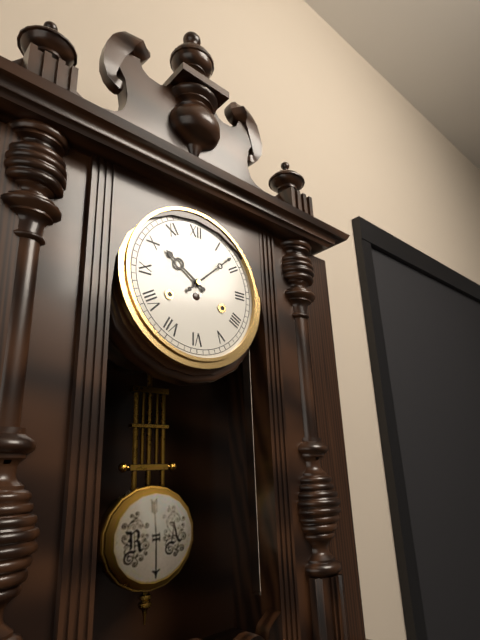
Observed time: 10:08
